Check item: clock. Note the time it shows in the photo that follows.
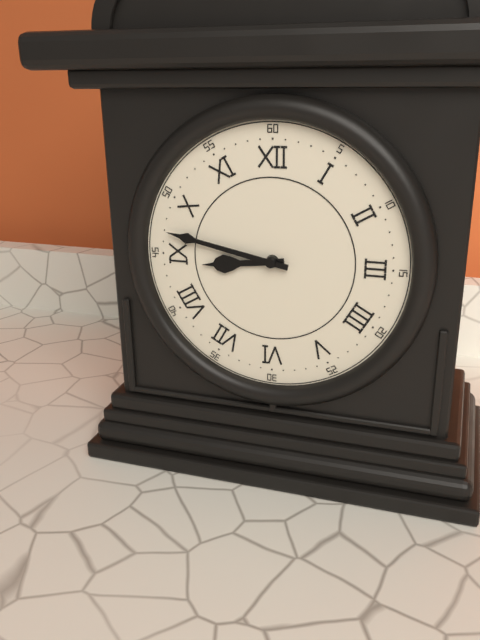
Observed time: 8:47
